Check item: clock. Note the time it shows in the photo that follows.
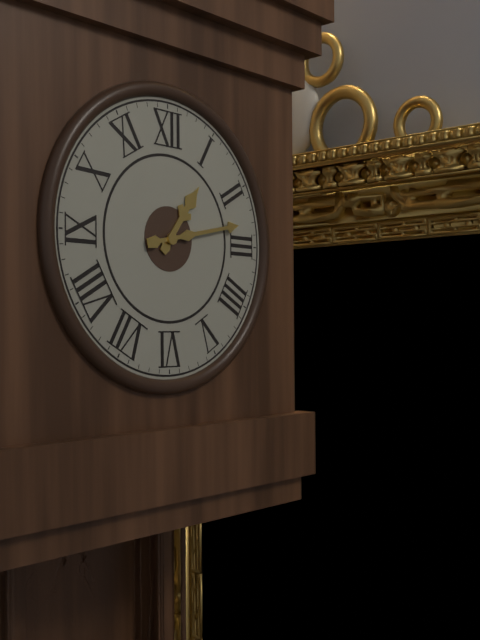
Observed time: 1:13
